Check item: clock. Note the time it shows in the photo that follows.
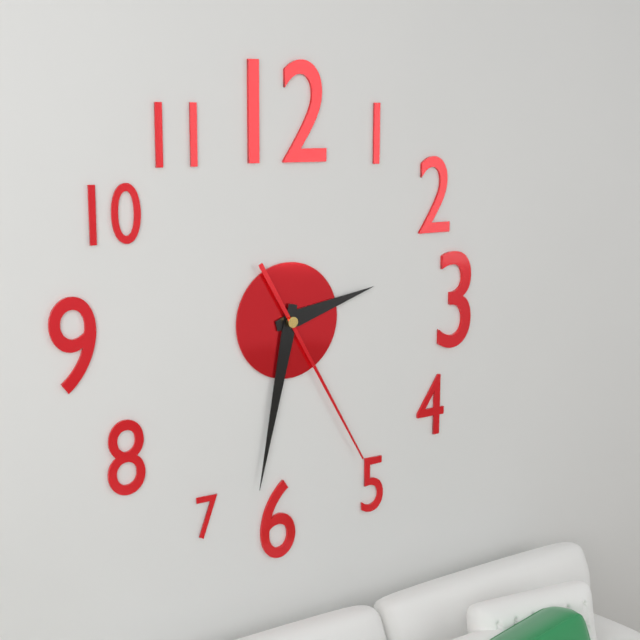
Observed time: 2:32:25
